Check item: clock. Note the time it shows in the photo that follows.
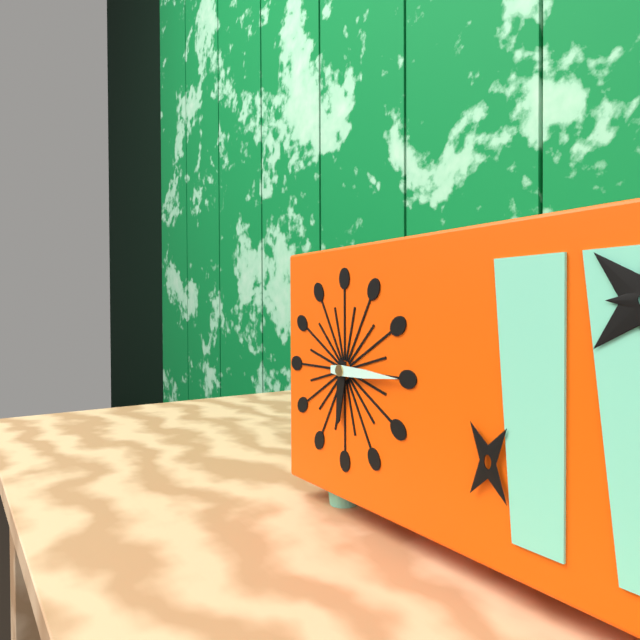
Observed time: 6:15
